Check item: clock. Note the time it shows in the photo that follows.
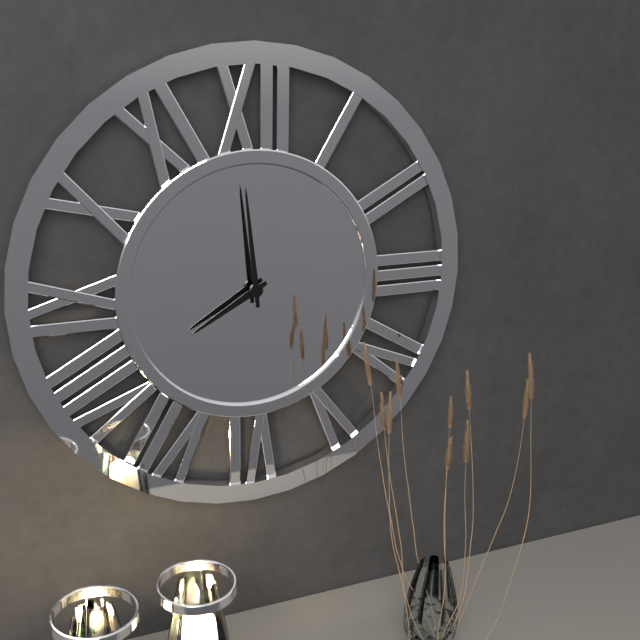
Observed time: 7:59
